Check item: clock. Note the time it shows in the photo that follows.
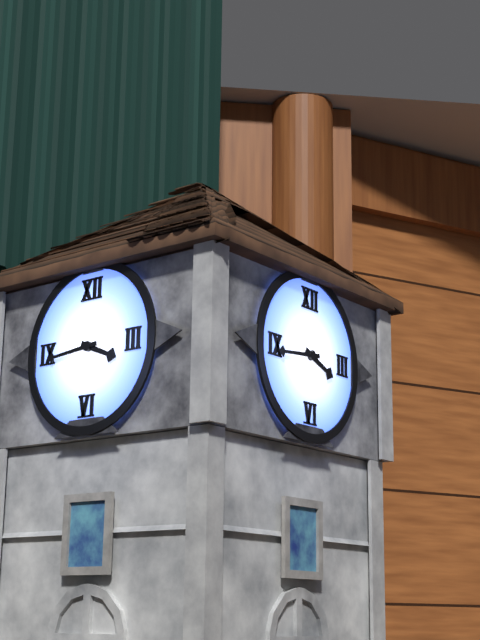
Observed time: 3:44
